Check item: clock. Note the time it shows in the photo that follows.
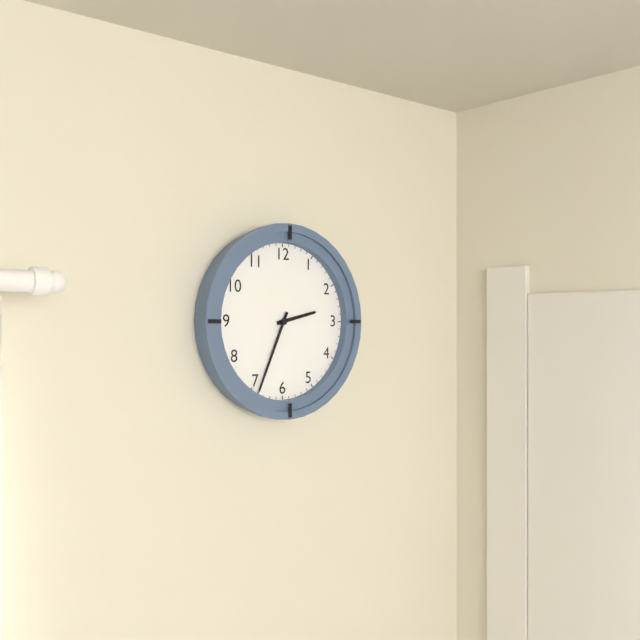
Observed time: 2:34
